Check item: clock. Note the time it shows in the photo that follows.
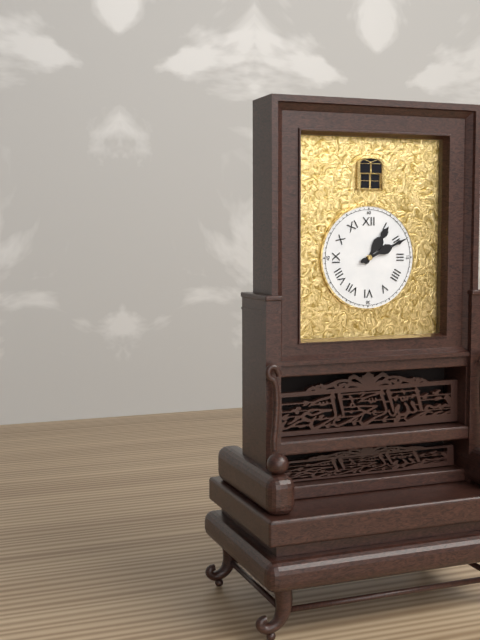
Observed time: 1:11
